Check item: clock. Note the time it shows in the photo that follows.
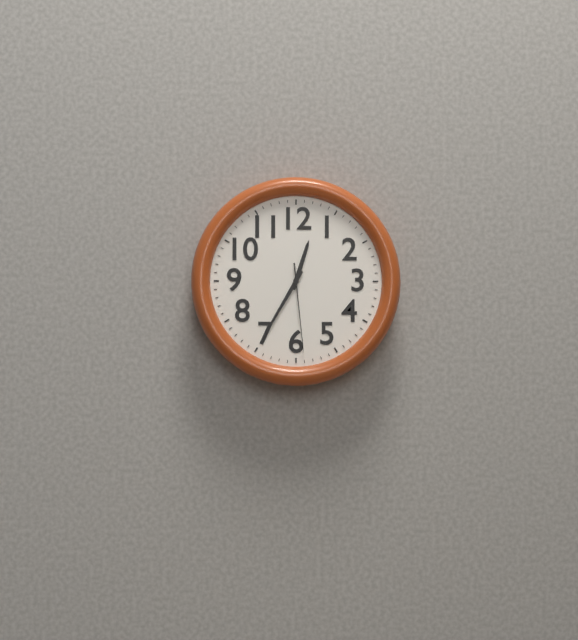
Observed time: 12:35:29
